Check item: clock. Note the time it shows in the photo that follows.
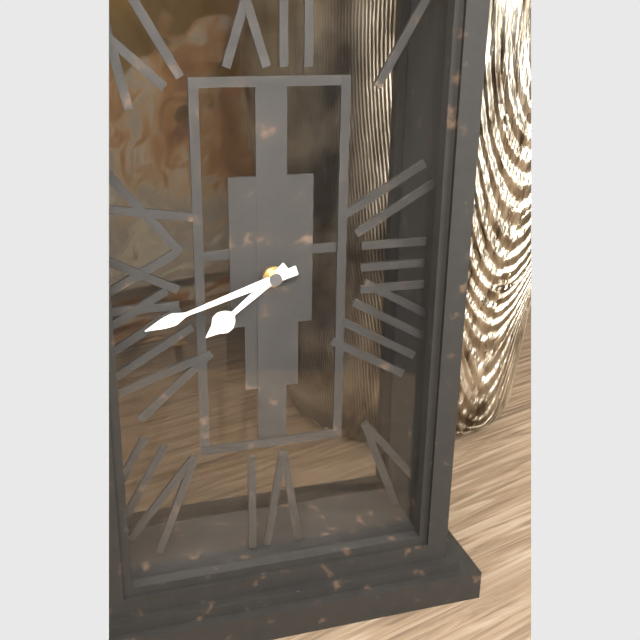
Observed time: 7:42
